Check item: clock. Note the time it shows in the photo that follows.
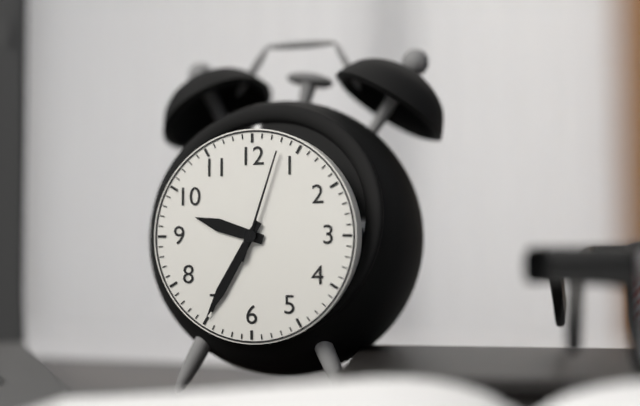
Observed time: 9:35:03
